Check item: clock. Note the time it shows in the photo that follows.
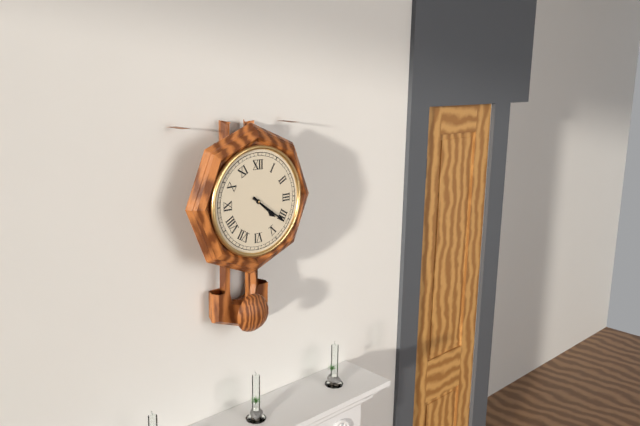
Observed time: 4:21
